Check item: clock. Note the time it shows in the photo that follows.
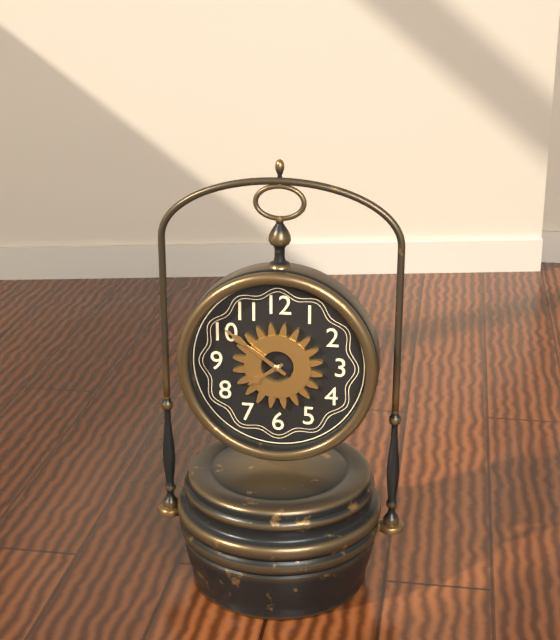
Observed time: 7:51
